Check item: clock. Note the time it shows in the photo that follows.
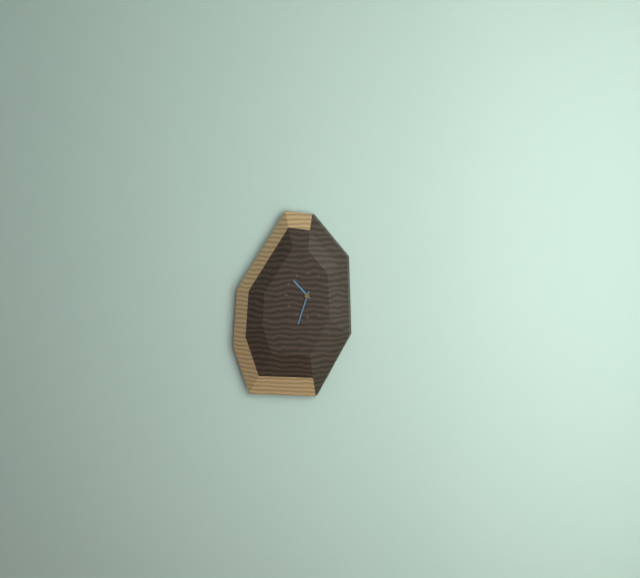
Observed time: 10:33
